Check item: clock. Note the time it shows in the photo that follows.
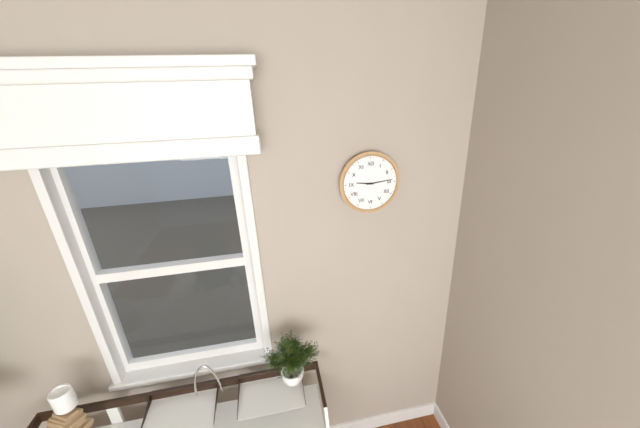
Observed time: 9:14
